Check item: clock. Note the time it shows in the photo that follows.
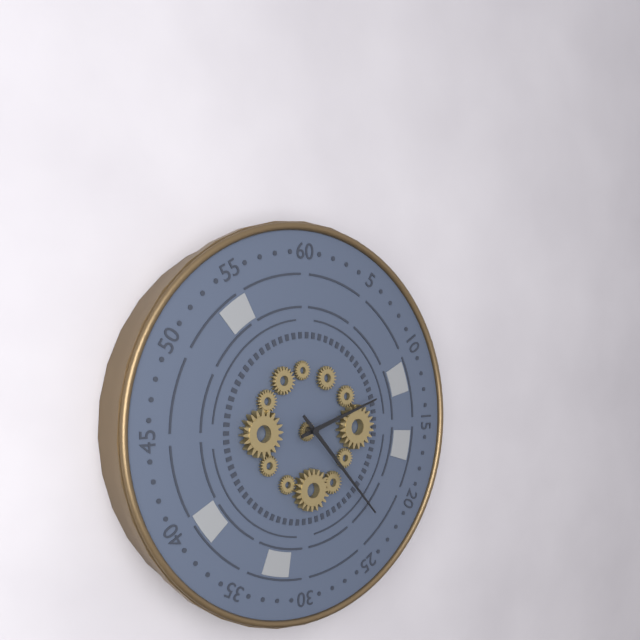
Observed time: 2:23
